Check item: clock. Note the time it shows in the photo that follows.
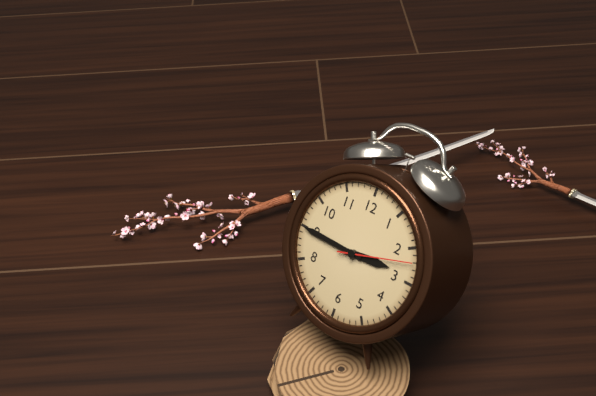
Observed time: 2:45:12
